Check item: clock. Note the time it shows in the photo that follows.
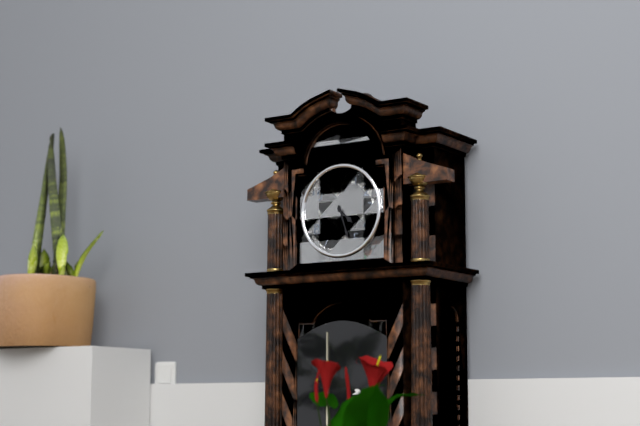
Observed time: 4:27
